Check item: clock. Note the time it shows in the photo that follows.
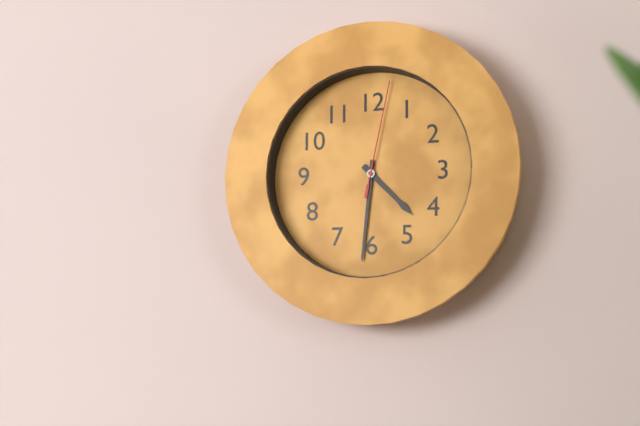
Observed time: 4:31:02
